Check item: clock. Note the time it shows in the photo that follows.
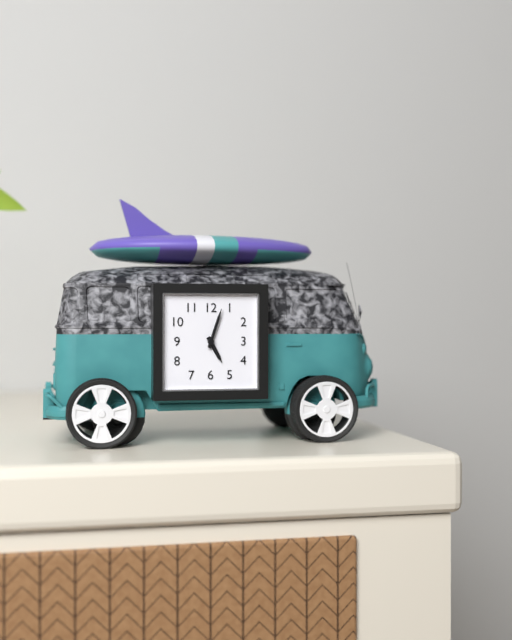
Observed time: 5:03
